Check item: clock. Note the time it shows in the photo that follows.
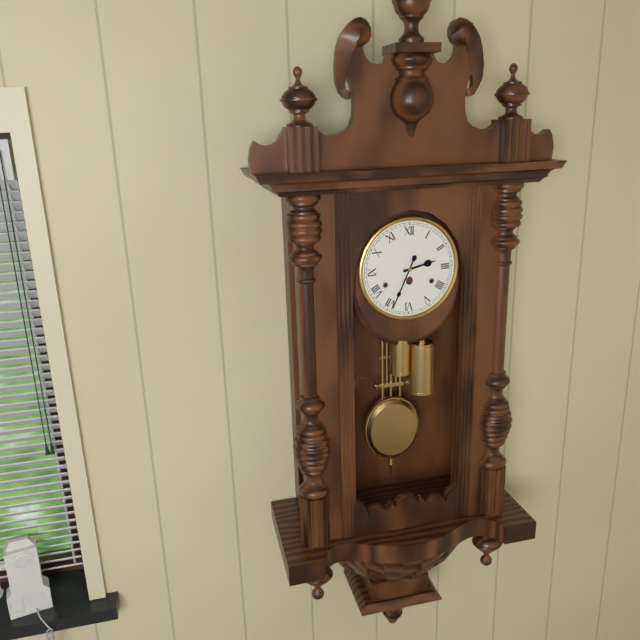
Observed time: 2:34
